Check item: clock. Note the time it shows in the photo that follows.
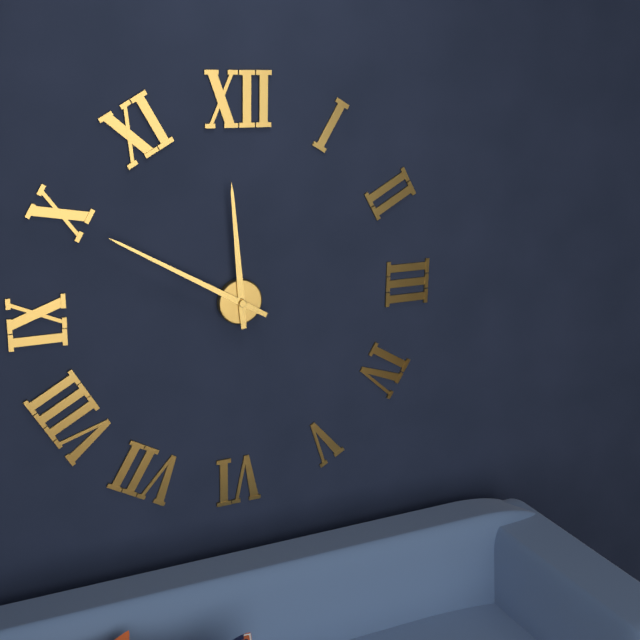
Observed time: 11:50
